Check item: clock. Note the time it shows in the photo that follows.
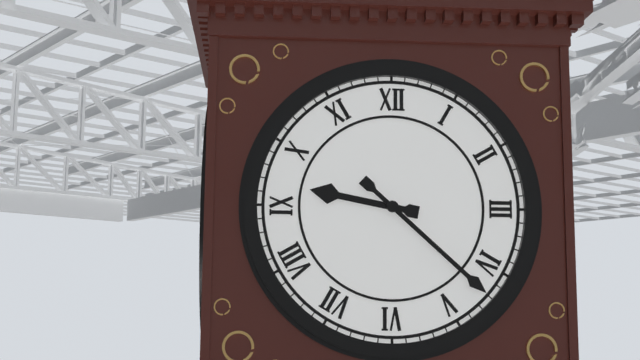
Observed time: 9:22
